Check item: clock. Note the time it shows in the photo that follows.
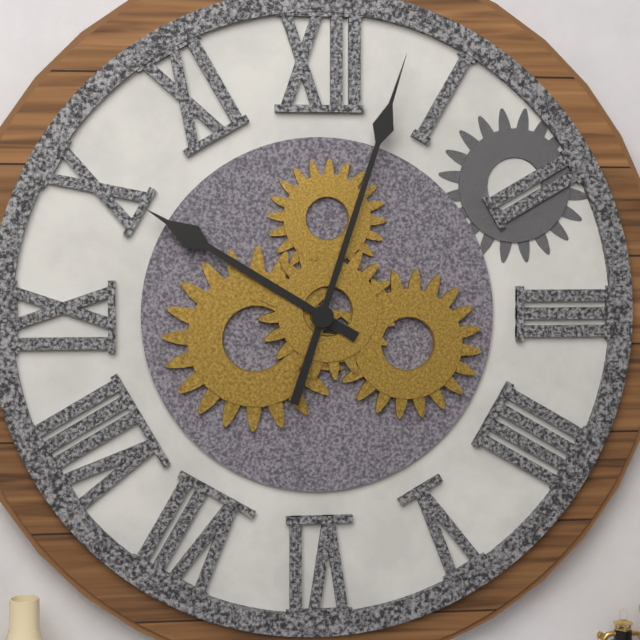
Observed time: 10:03
